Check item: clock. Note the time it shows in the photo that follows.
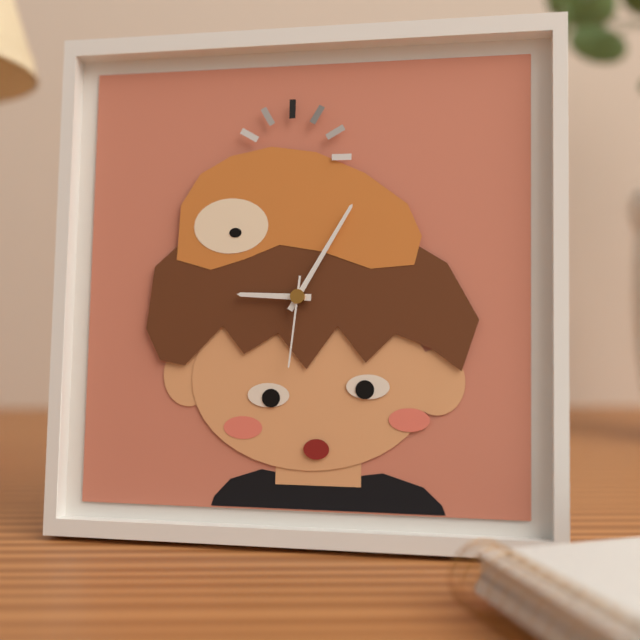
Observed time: 9:05:31
